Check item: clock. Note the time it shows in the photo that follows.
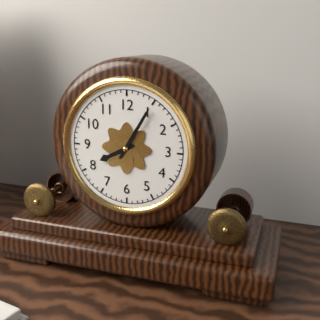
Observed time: 8:05
